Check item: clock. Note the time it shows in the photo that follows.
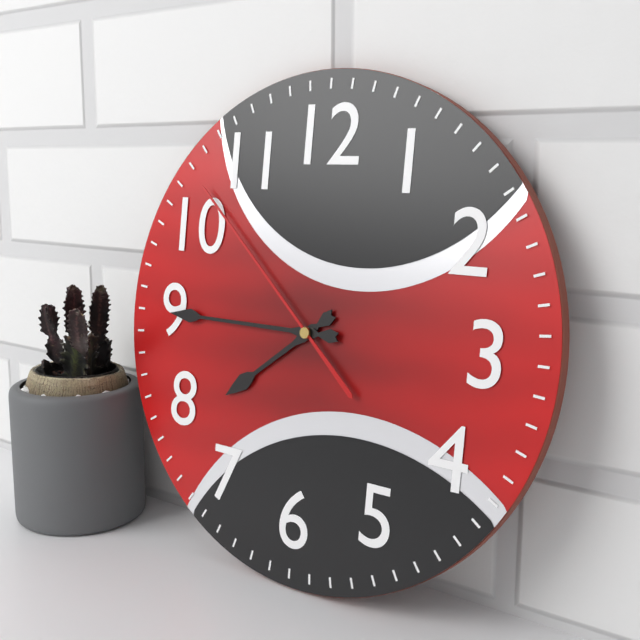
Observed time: 7:45:52
